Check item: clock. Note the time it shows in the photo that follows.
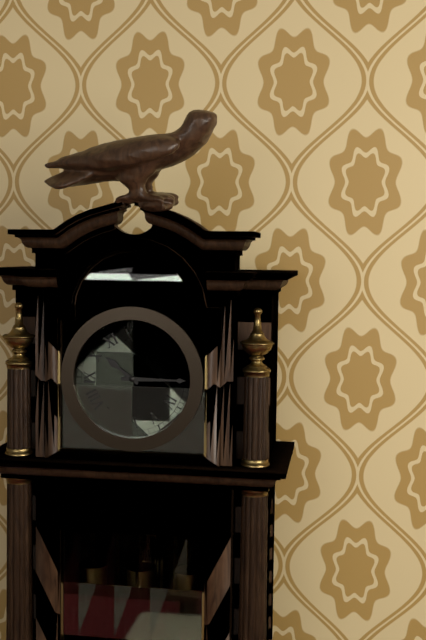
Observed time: 10:15
